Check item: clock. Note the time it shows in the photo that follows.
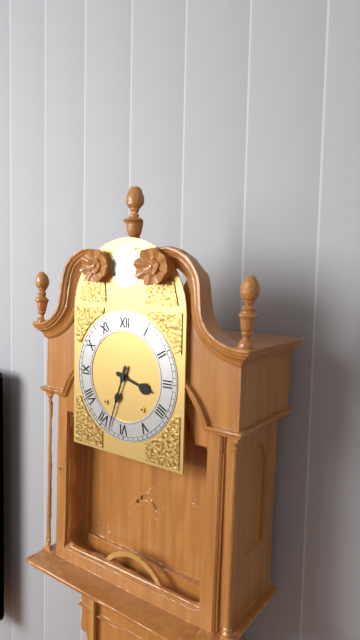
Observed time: 3:33
